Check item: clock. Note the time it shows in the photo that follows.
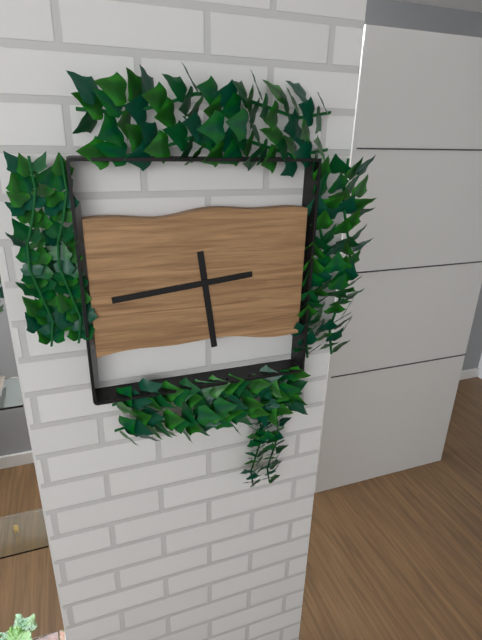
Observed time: 5:44
